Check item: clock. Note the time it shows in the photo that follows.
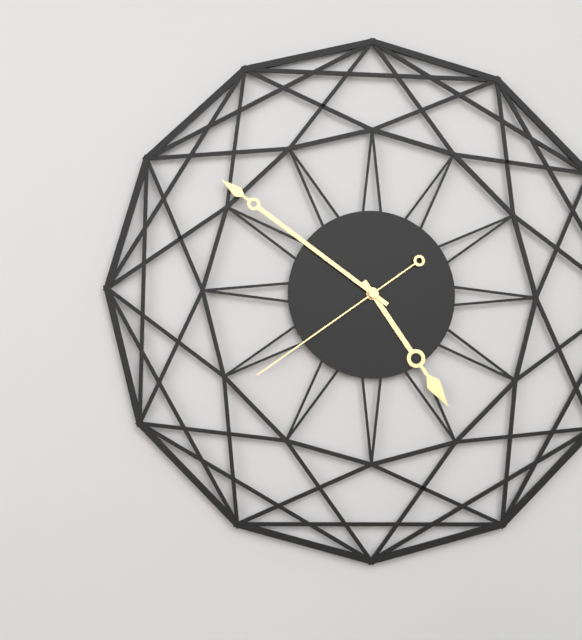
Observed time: 4:51:39
